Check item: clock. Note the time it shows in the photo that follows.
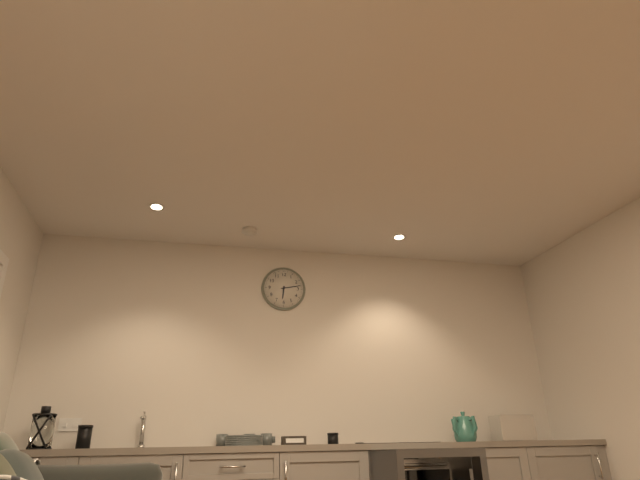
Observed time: 6:13
